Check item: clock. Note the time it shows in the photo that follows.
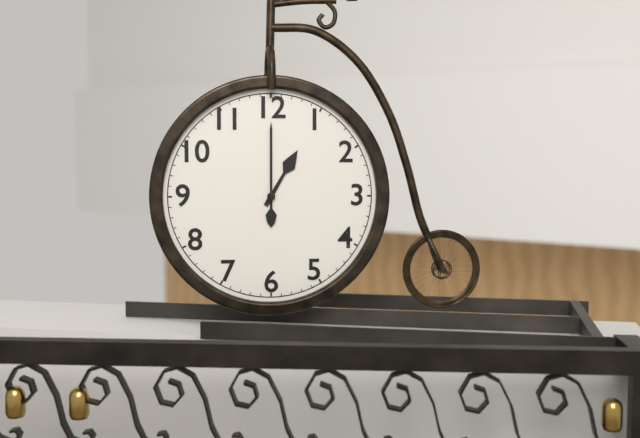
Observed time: 1:00
